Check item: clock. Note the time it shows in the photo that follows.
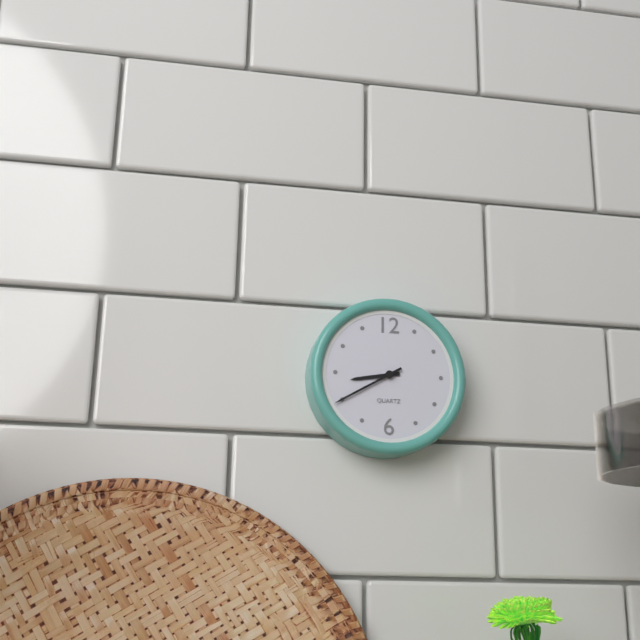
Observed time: 8:40
